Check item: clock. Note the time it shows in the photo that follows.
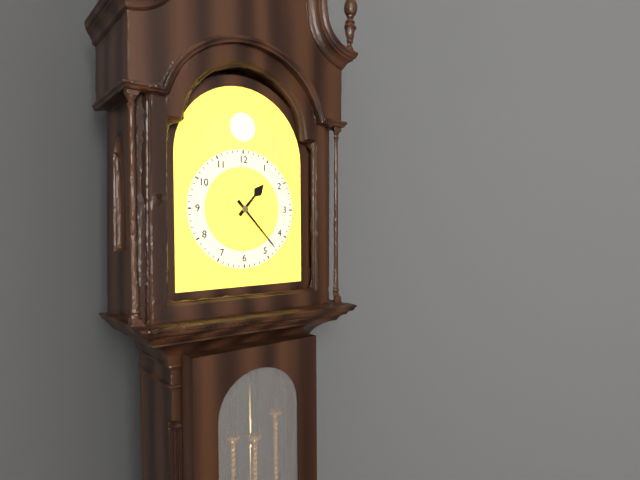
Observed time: 1:23
